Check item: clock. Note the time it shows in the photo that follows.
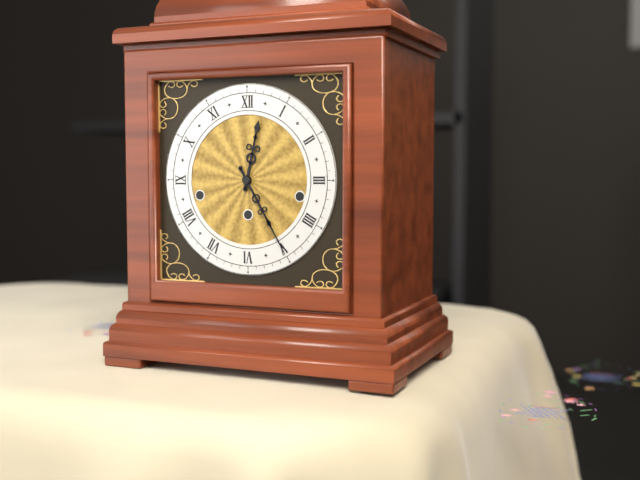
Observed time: 12:25
